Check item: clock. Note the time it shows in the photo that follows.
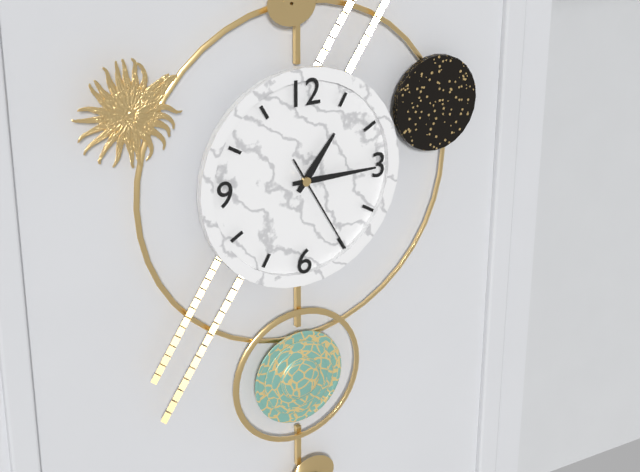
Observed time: 1:15:25
